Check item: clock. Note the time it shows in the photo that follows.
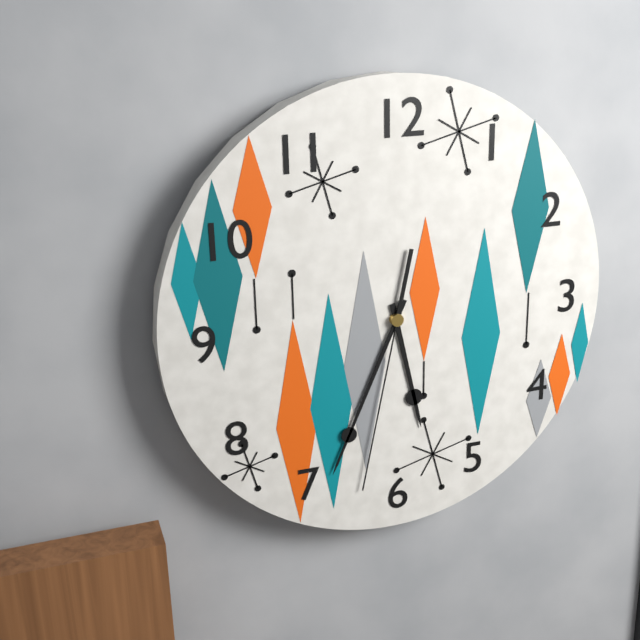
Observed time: 5:34:32
